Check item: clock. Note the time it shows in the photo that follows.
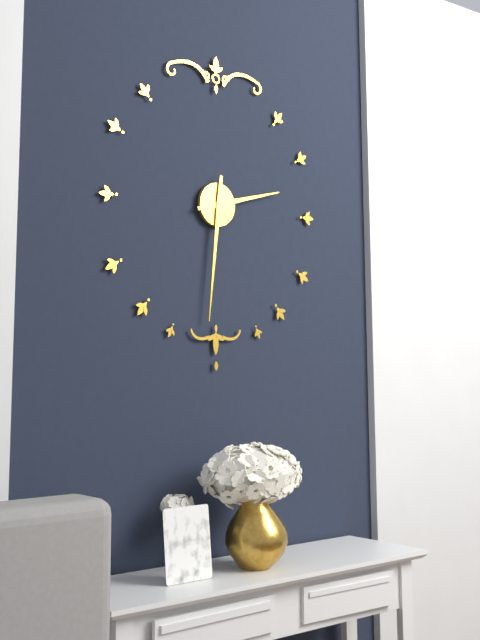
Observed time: 2:31
